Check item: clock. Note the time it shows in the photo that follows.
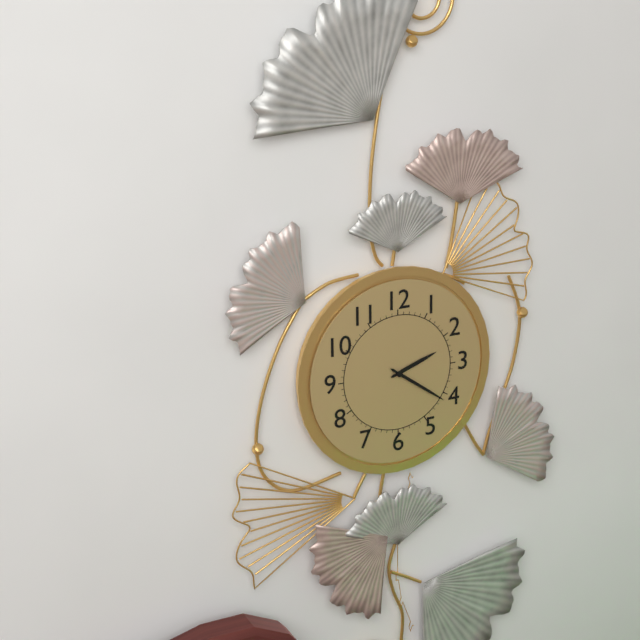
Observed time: 2:21
